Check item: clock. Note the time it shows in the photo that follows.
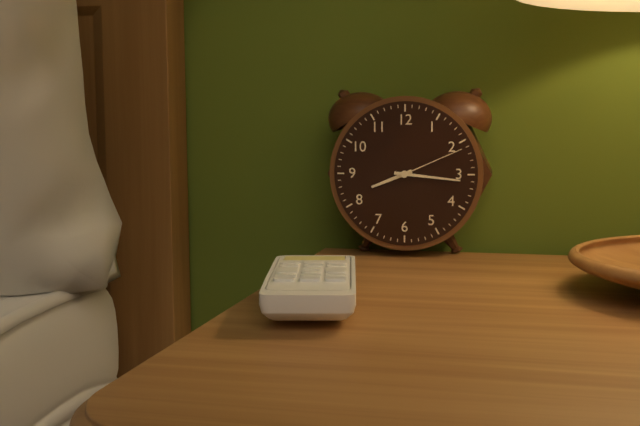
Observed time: 8:16:11
